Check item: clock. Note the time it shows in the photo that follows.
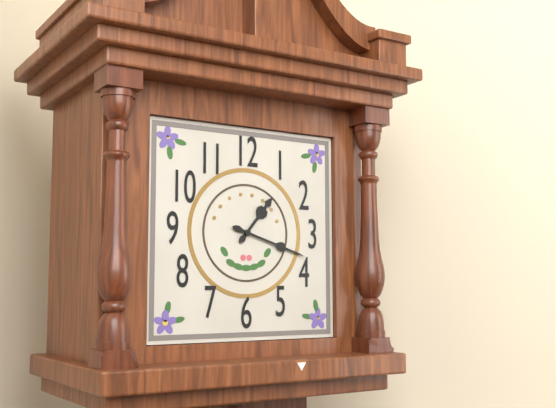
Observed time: 1:18
